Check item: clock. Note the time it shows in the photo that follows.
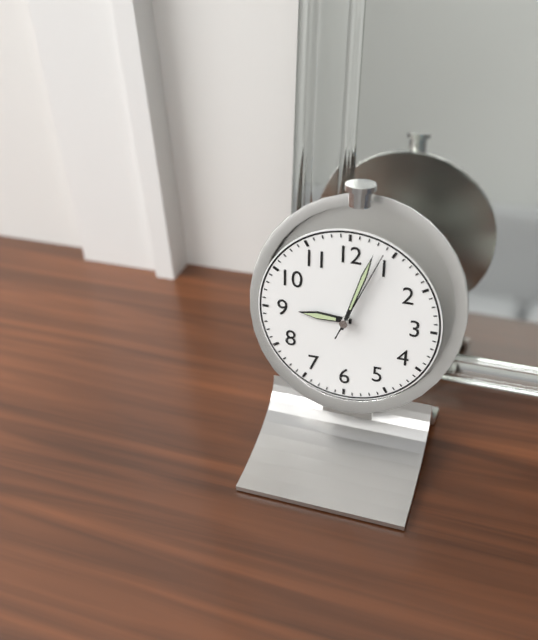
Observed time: 9:03:04
